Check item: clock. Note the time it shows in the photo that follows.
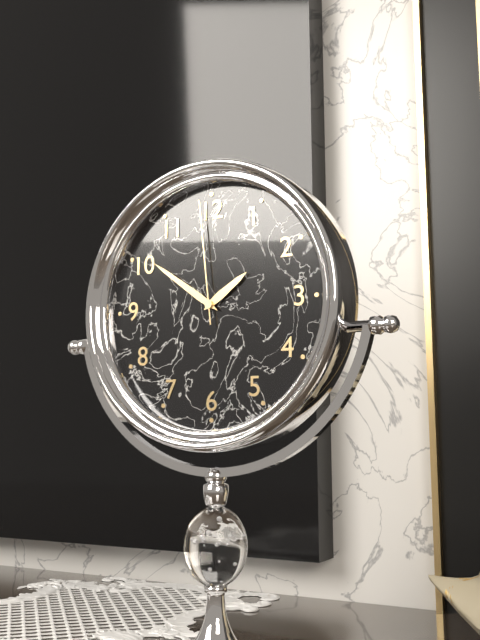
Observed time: 1:51:59
